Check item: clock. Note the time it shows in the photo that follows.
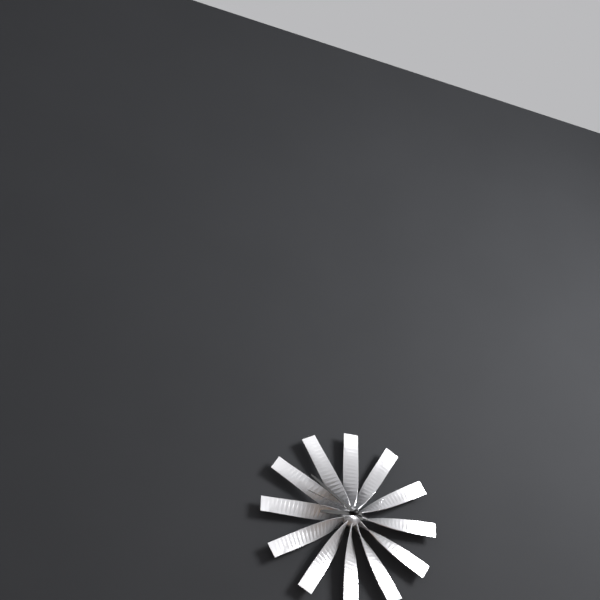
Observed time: 8:51:48
